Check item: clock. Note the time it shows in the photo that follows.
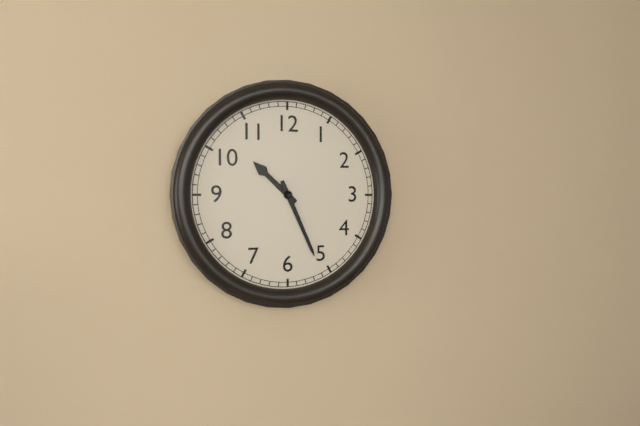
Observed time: 10:26
